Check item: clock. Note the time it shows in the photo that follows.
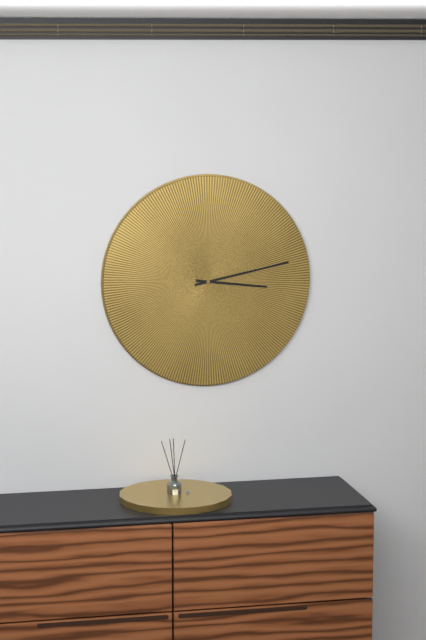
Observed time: 3:13
